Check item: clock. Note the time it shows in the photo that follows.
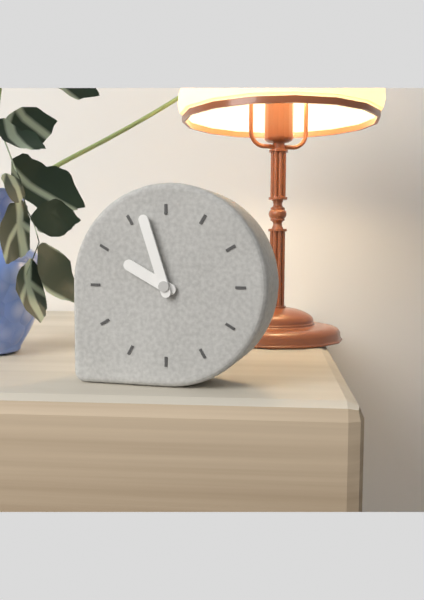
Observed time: 9:57
